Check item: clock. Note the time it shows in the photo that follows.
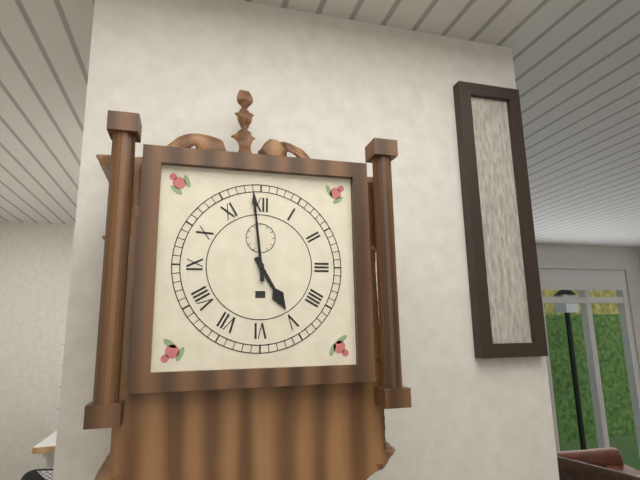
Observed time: 4:59
